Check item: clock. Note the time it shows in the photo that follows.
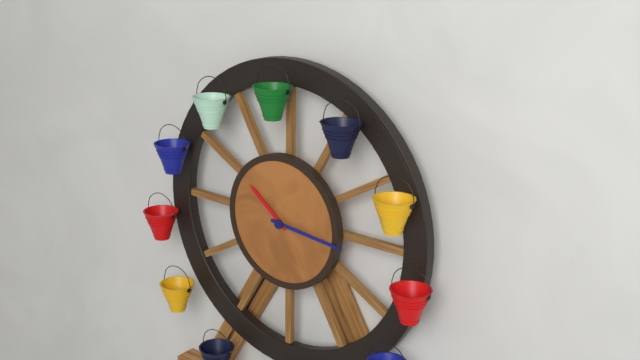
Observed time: 10:16
